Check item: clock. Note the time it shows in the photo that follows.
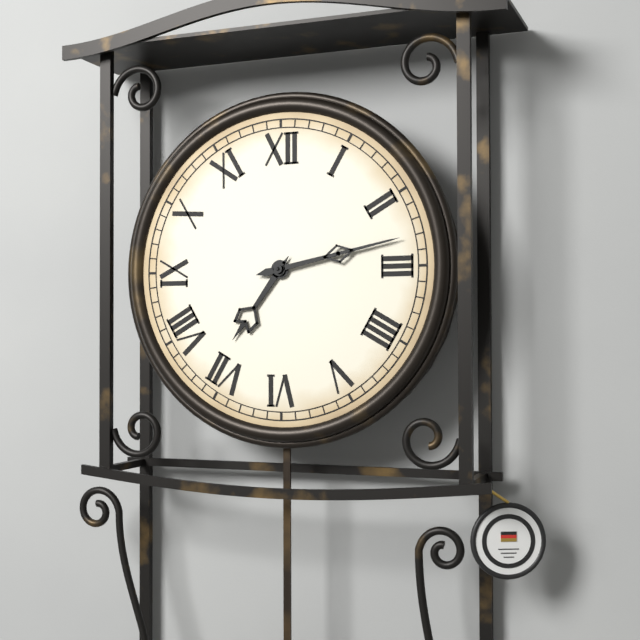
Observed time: 7:13
